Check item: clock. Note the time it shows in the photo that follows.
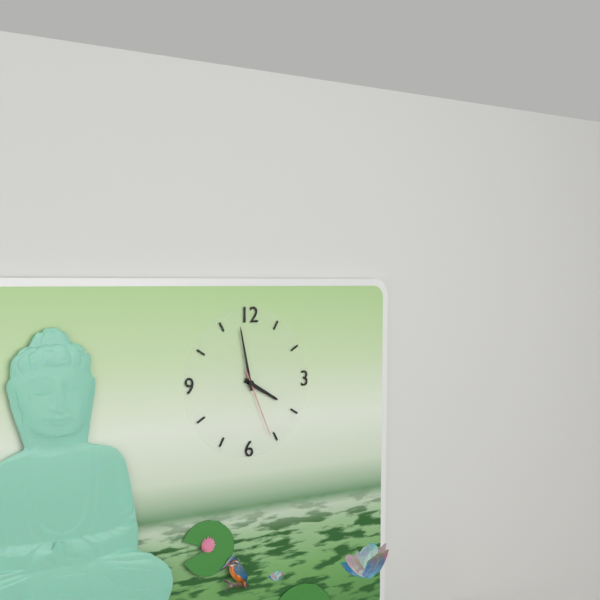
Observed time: 3:58:26
